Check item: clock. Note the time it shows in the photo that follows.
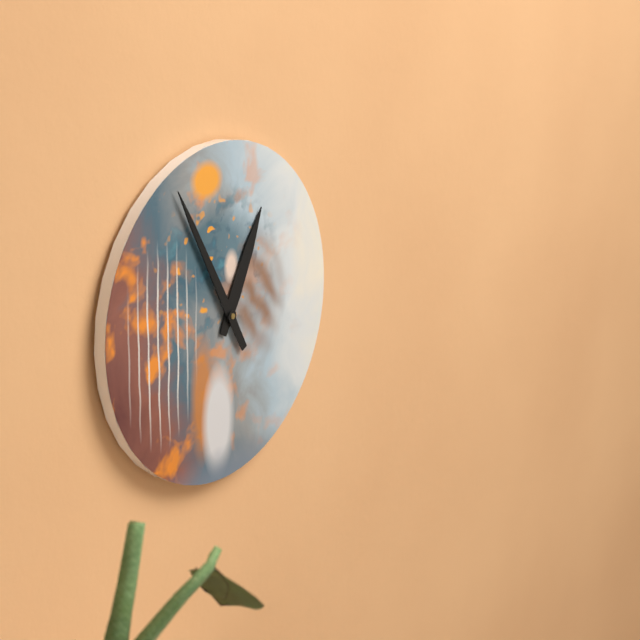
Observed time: 12:55
